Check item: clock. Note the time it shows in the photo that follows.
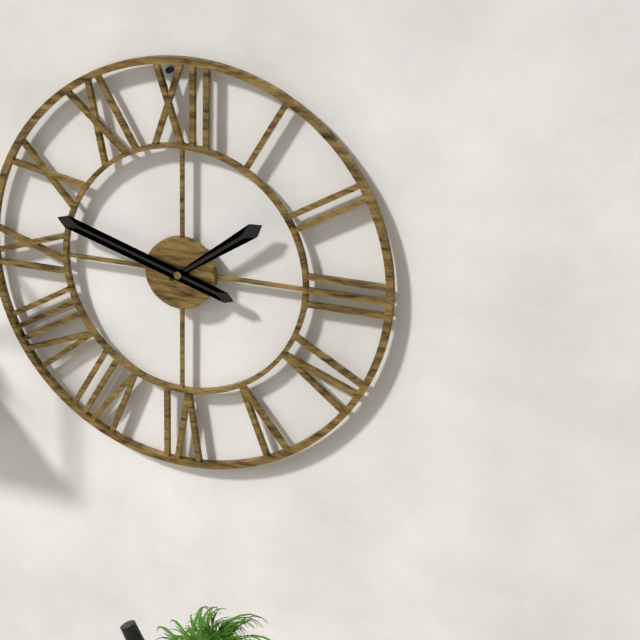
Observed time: 1:48
